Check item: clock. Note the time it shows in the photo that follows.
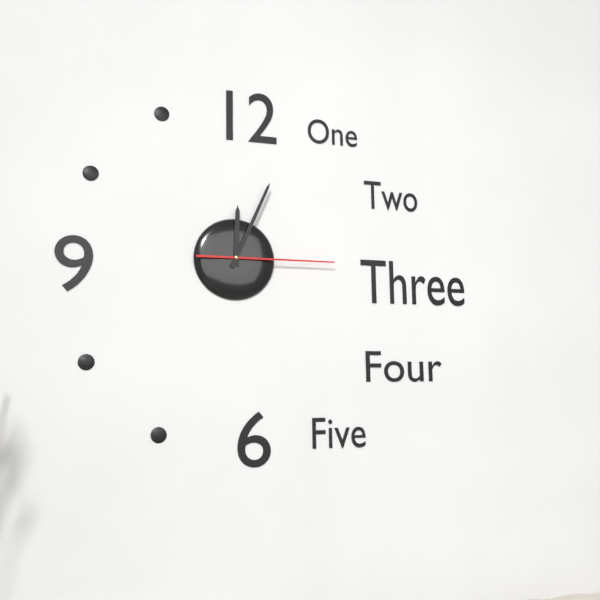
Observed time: 12:04:15
